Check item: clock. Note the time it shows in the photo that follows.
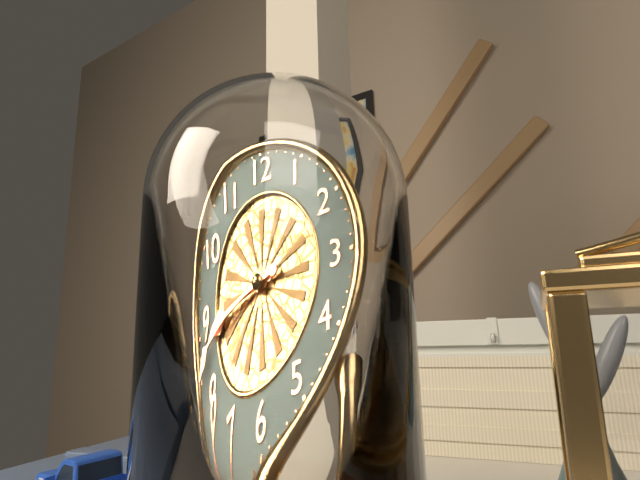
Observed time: 8:43
